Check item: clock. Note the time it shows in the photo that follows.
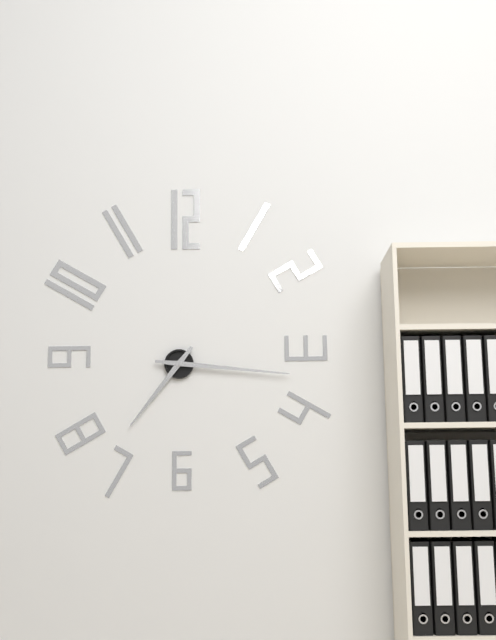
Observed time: 7:16
